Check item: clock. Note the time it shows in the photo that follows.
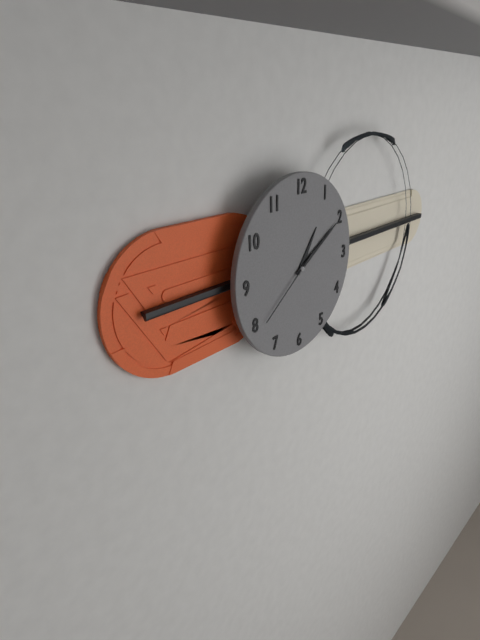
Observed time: 1:10:39
